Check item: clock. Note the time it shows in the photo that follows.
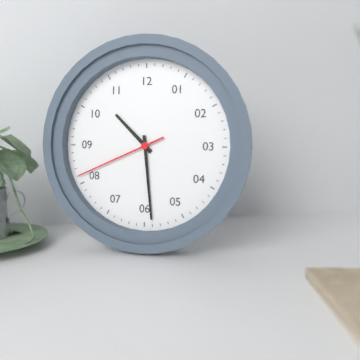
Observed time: 10:29:41
